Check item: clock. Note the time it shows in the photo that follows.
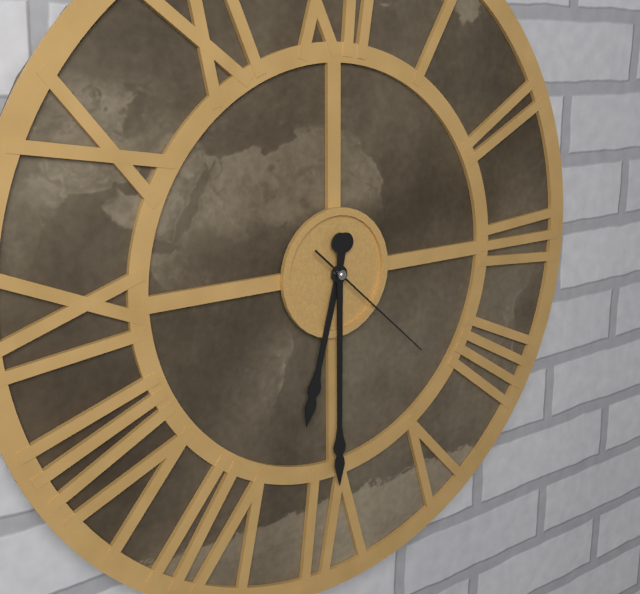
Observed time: 6:30:22
